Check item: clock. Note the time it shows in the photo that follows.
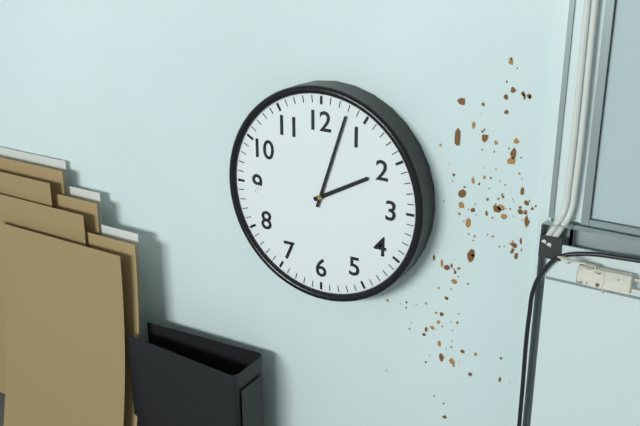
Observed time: 2:03
